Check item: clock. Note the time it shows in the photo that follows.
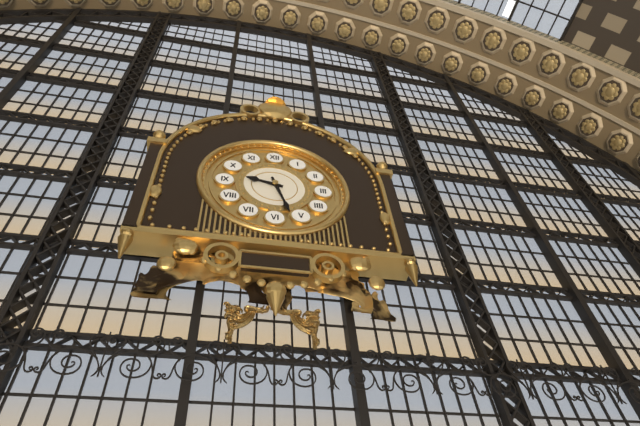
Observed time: 9:27
